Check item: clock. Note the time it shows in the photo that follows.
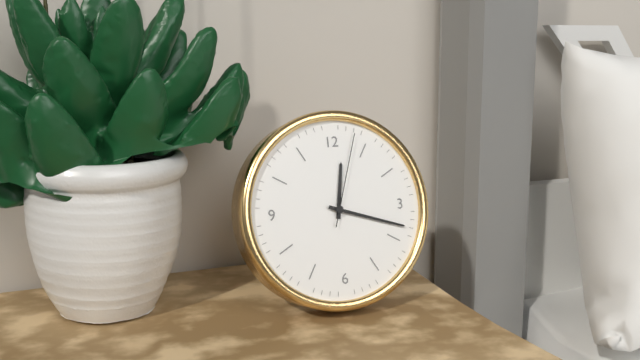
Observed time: 12:18:03
